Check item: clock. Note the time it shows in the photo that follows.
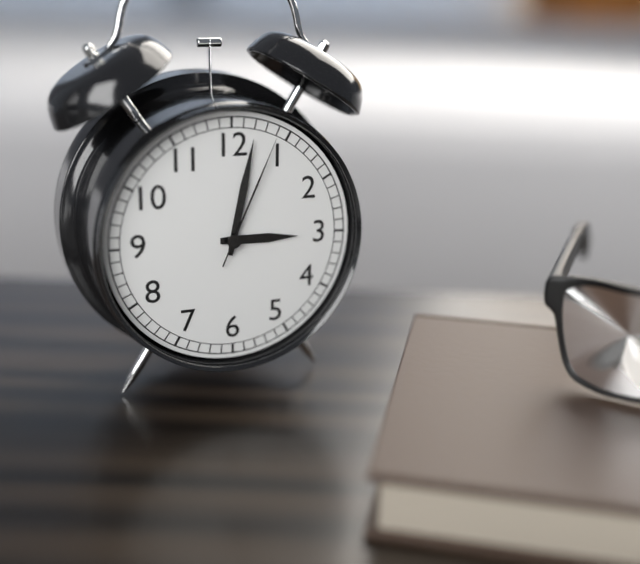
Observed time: 3:02:04
